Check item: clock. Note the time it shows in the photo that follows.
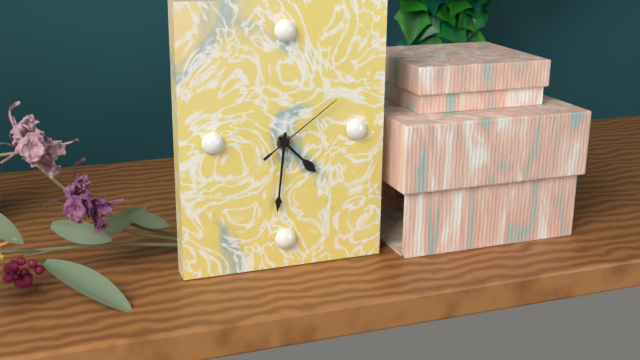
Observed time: 4:31:09
